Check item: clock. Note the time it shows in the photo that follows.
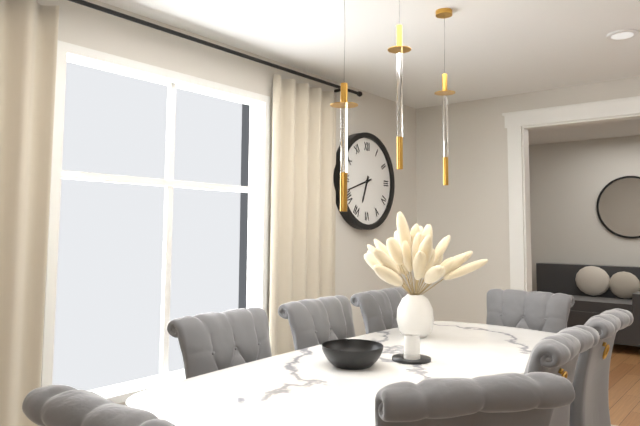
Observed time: 6:42
